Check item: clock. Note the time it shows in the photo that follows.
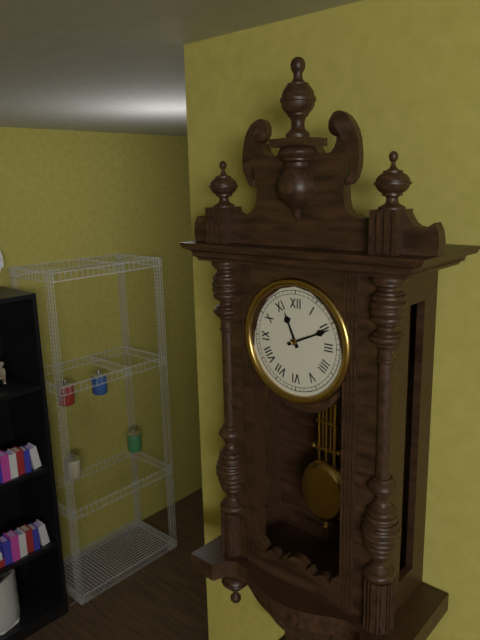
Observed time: 11:11
